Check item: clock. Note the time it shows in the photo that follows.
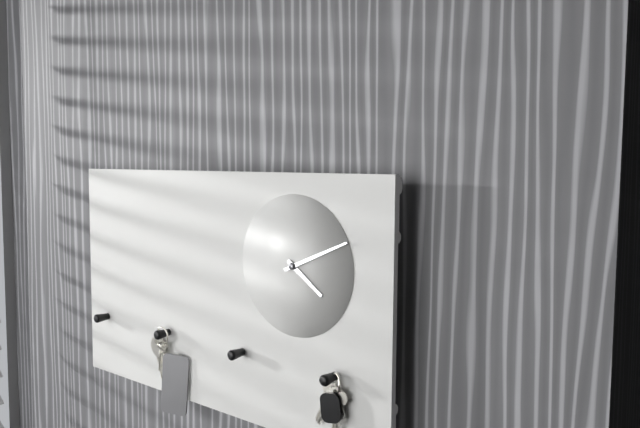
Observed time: 4:11
